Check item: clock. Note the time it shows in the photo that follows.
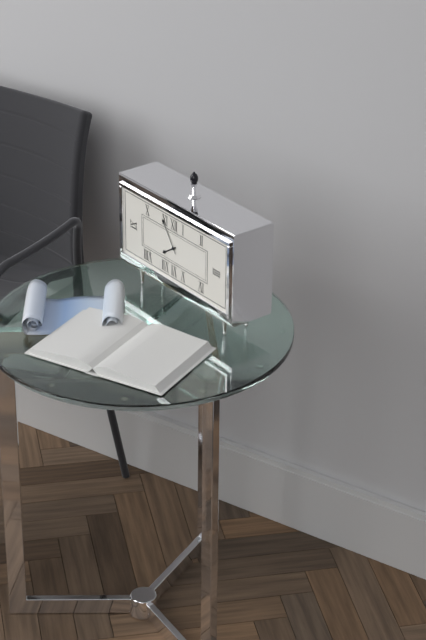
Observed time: 7:54
